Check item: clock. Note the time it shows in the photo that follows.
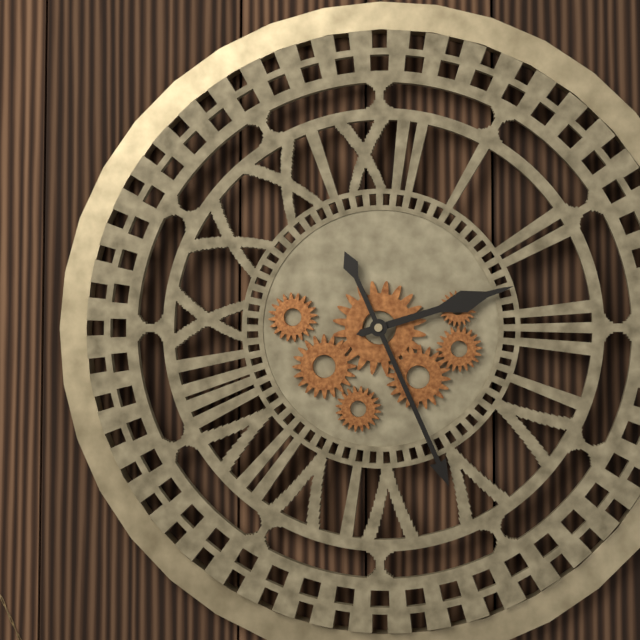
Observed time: 2:26
